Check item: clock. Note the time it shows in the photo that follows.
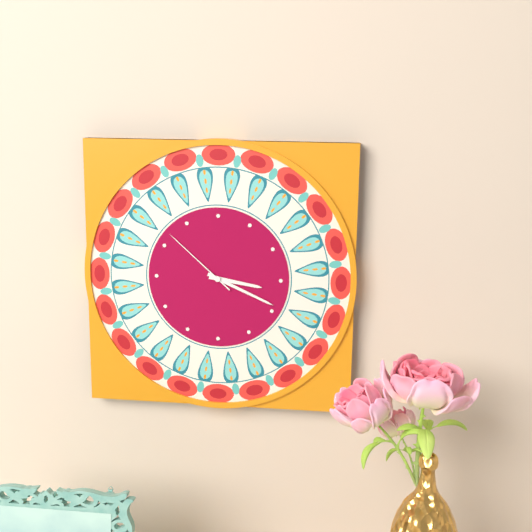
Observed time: 3:19:52
